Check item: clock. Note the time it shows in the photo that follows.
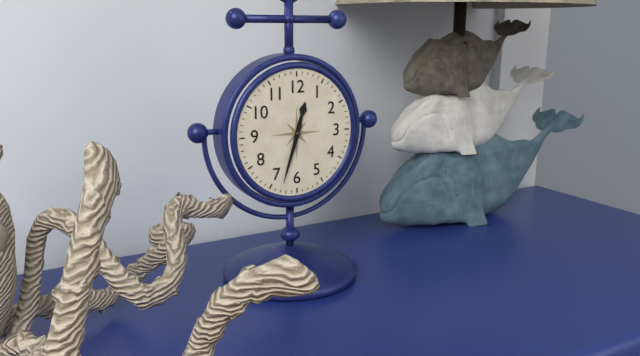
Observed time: 12:33
